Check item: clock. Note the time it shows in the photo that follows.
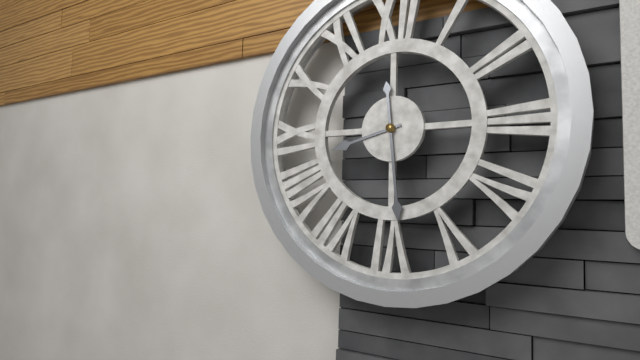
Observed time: 8:29
